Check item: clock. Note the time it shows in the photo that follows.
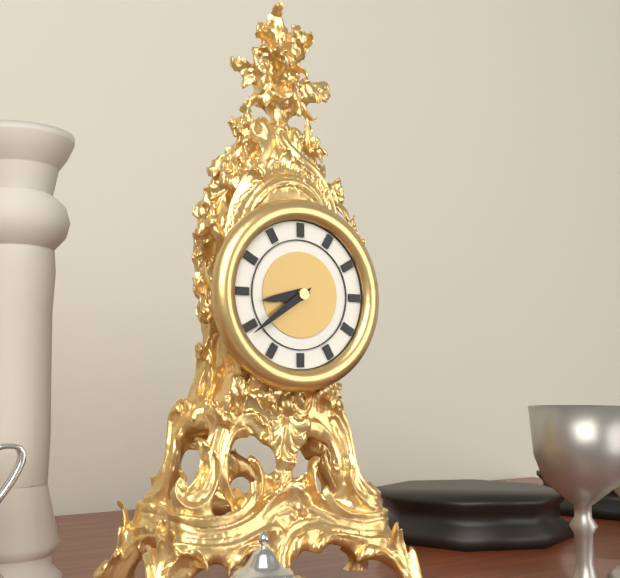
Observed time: 8:39
